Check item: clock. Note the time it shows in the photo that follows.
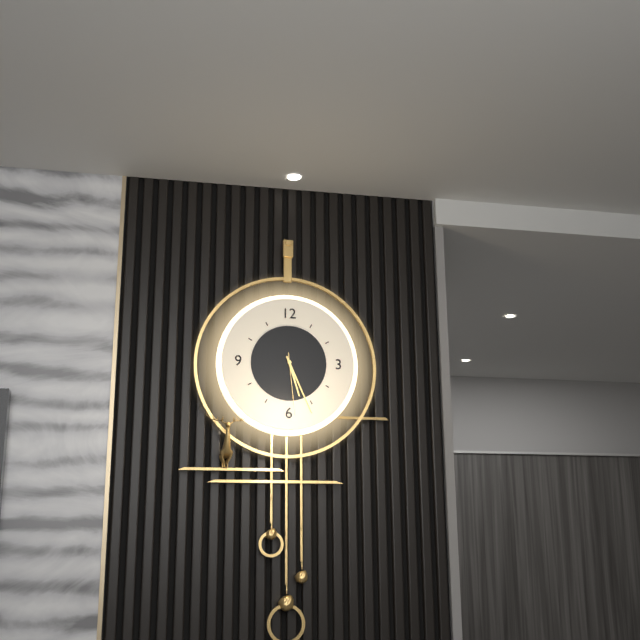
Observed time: 5:26:29
